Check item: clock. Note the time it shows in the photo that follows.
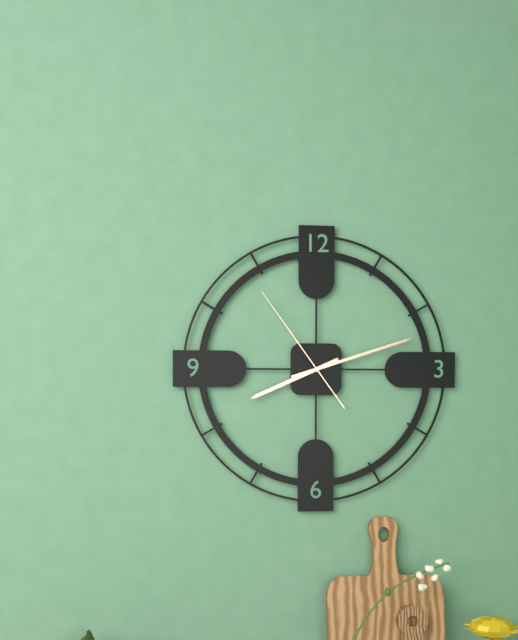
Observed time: 8:12:54
